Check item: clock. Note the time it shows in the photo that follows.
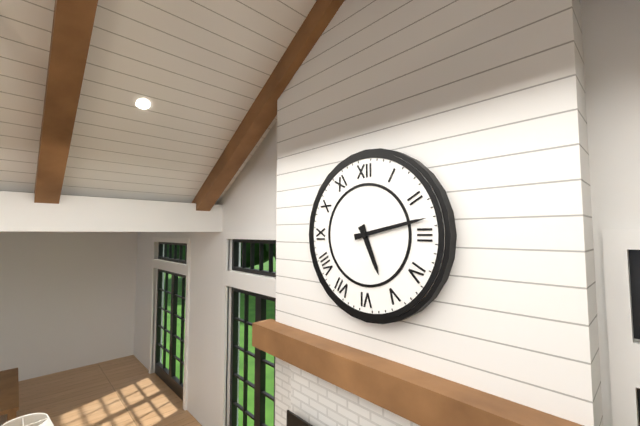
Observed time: 5:13
